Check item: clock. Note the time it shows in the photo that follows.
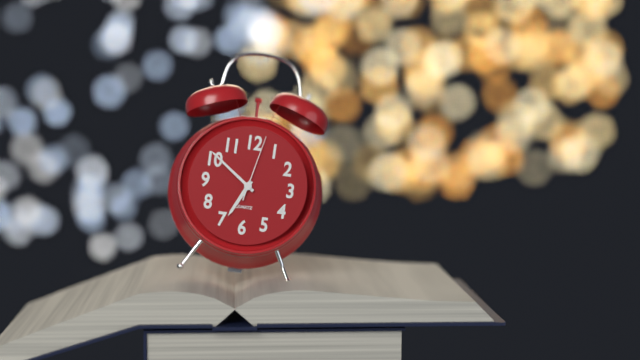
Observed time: 6:51:02
